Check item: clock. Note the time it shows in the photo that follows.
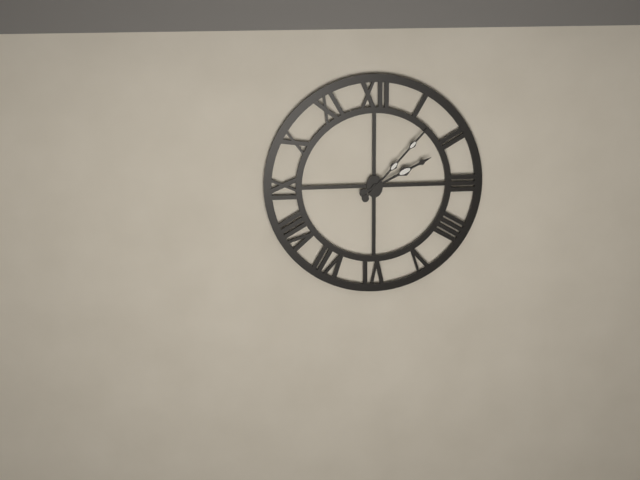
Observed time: 2:07
